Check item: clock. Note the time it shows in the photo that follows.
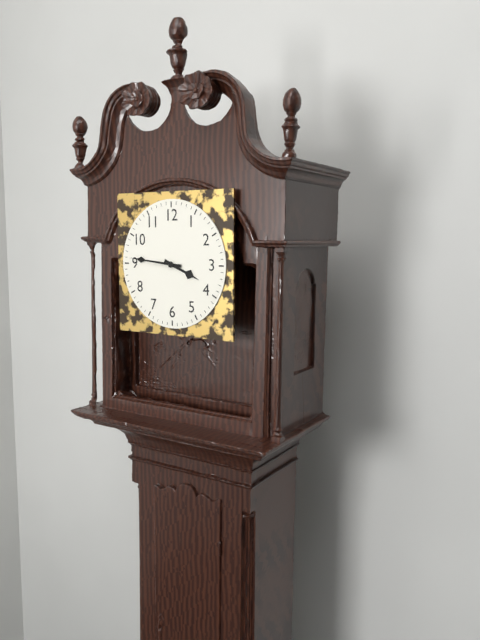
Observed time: 3:46
